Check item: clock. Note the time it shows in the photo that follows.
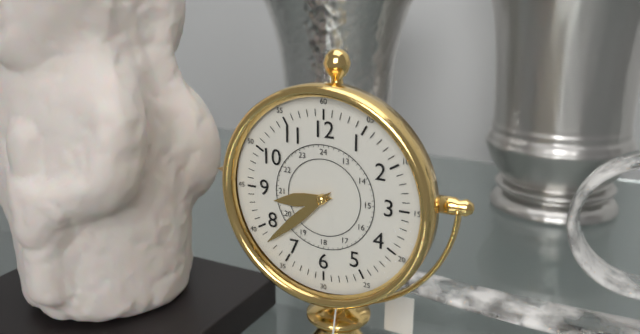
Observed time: 8:38
